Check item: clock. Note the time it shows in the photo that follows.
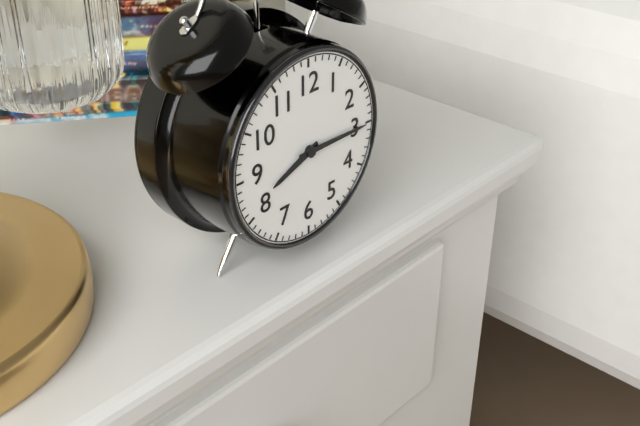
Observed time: 8:15
